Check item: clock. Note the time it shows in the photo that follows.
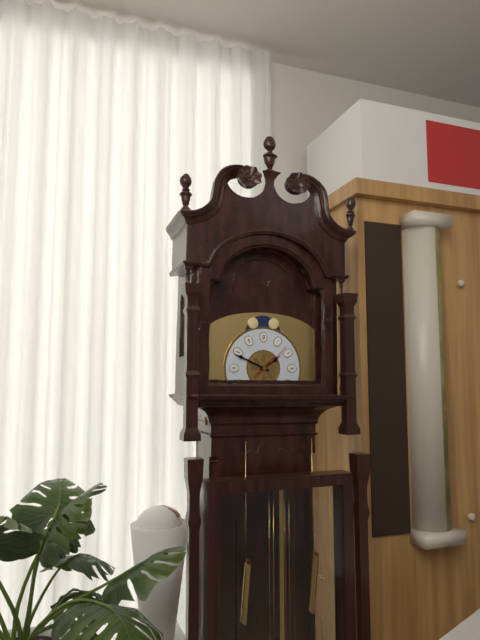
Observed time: 1:49
